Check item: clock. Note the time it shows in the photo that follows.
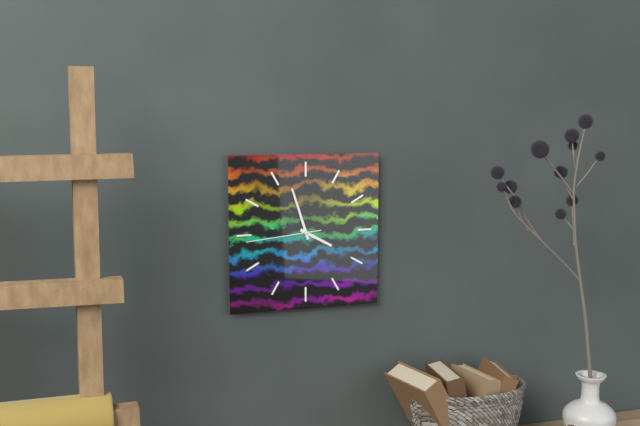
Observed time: 3:57:44
